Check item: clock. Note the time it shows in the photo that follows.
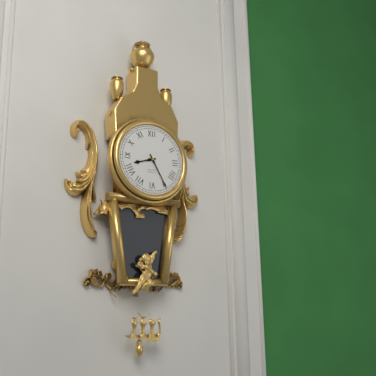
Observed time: 8:25
